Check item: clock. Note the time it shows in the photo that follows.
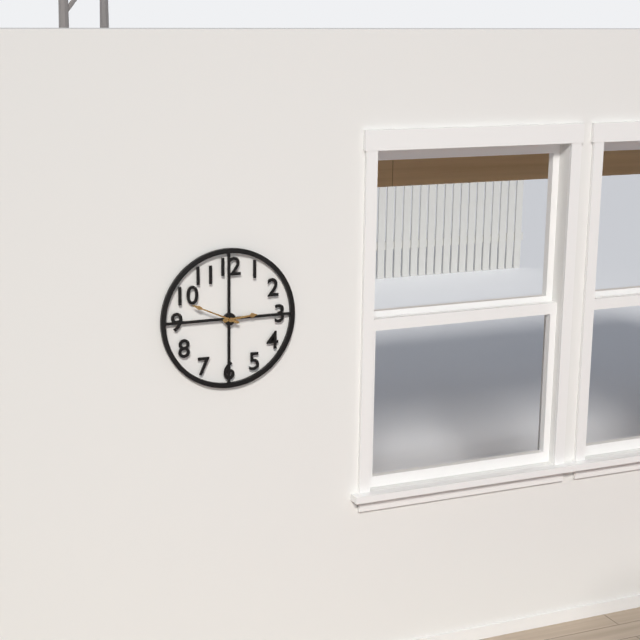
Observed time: 2:49
